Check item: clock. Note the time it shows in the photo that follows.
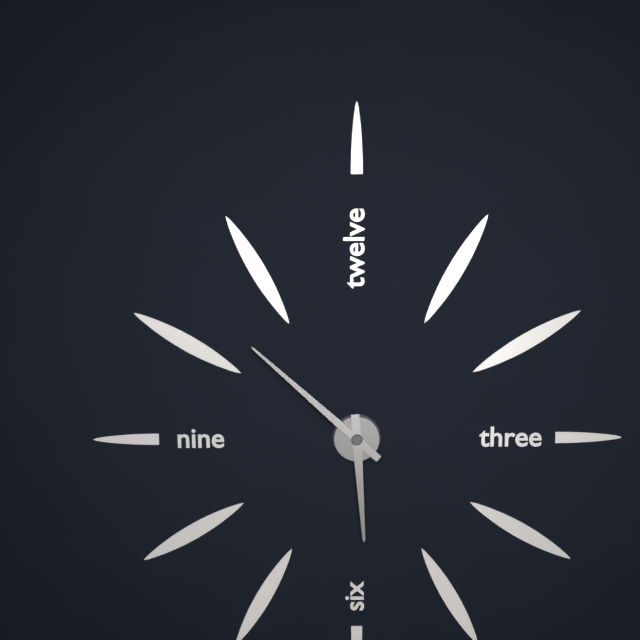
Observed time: 5:52
